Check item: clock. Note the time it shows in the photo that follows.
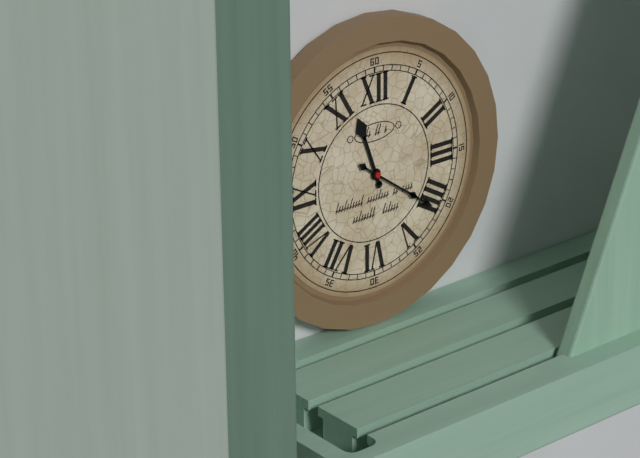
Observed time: 11:21
